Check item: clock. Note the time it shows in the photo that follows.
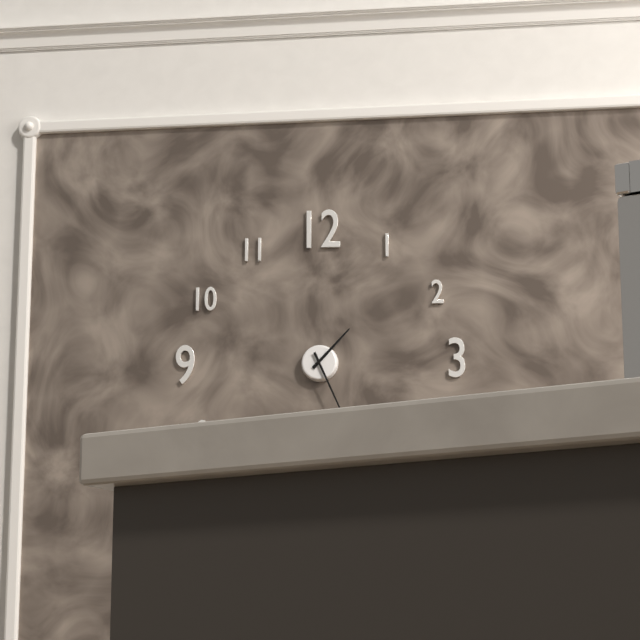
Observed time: 1:26
